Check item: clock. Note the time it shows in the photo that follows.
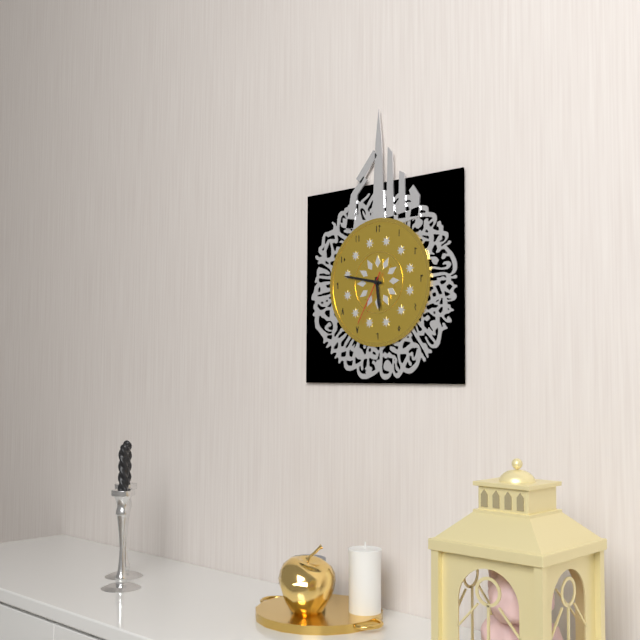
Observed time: 5:47:35
